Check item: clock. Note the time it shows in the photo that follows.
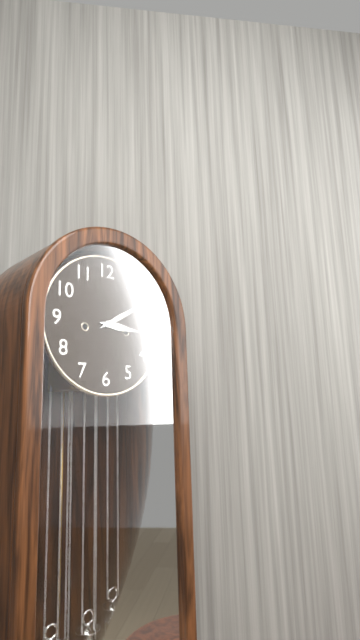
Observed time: 3:10
